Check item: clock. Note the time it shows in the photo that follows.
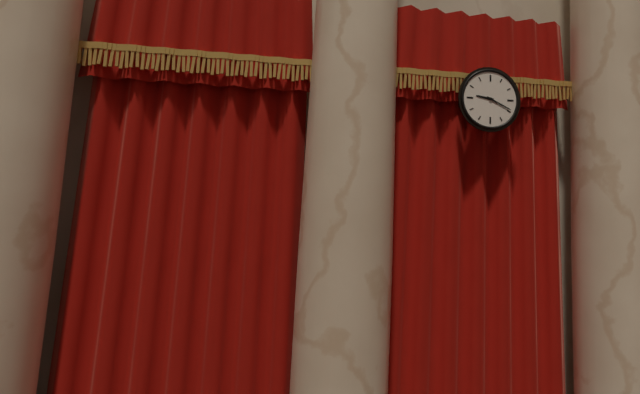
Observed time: 9:19
